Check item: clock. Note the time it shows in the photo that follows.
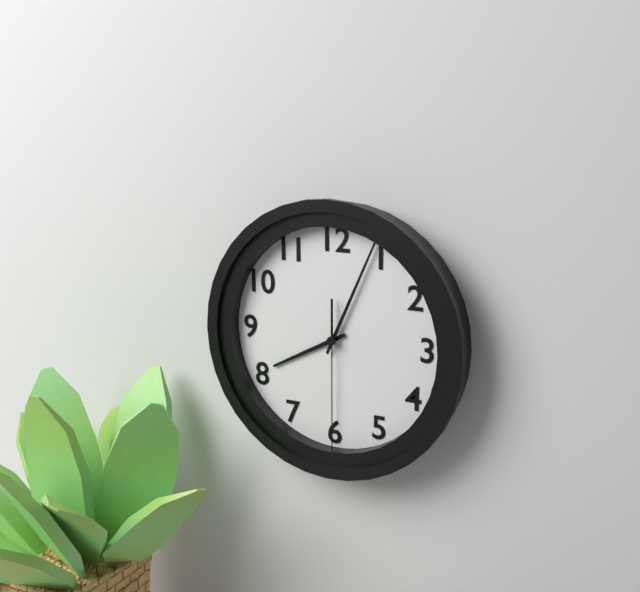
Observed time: 8:04:30
